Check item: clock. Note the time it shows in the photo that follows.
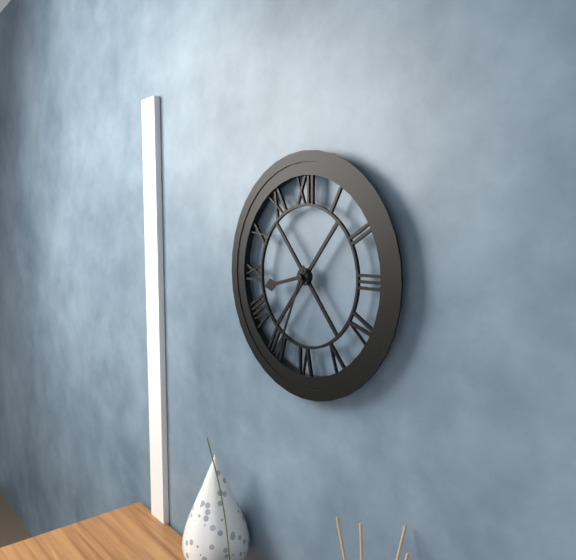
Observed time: 8:34
